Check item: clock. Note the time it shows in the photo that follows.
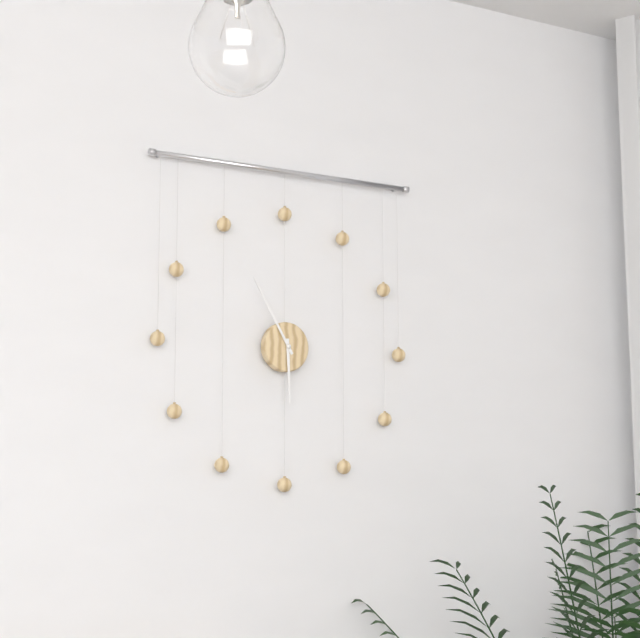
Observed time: 5:55
